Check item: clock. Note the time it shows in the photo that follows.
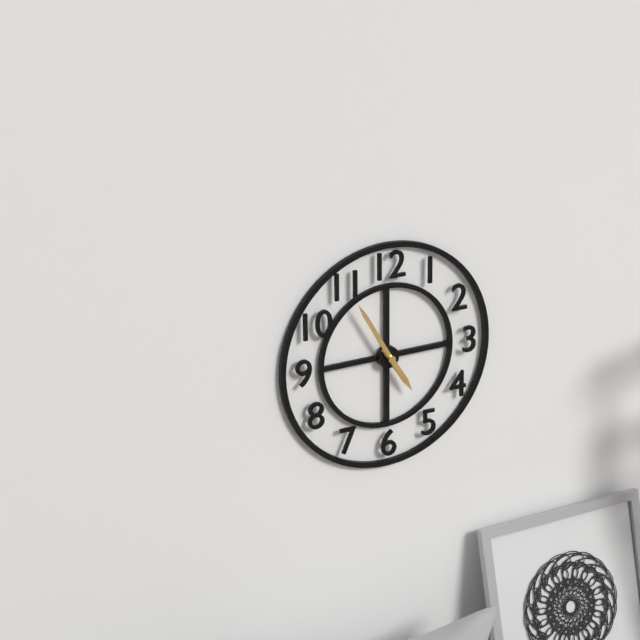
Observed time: 4:55
